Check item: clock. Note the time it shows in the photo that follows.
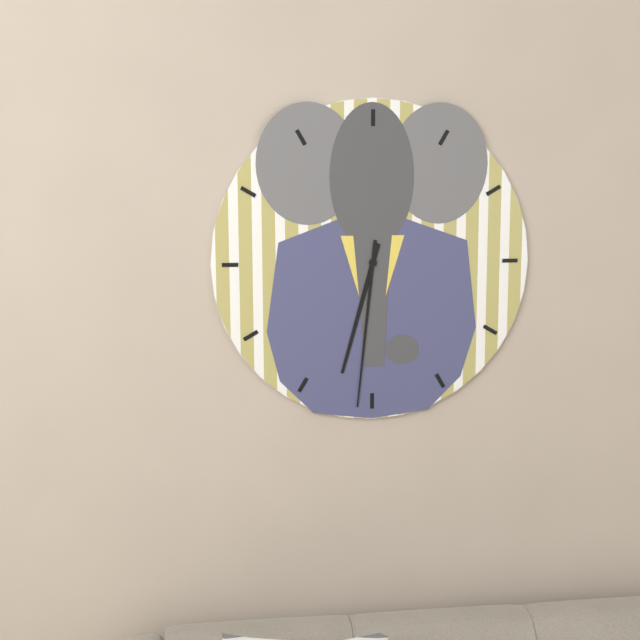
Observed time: 6:31
